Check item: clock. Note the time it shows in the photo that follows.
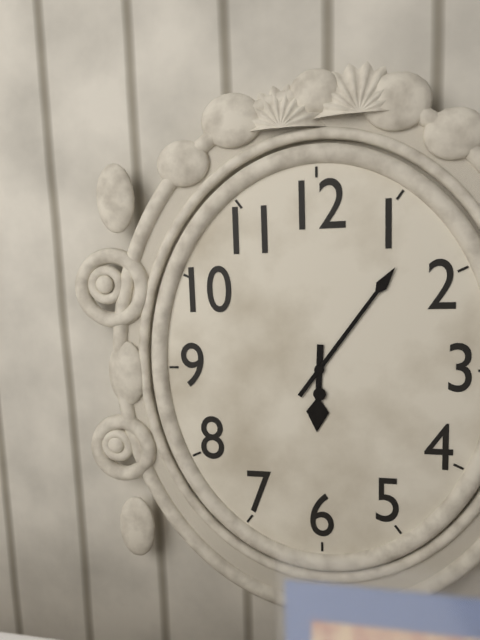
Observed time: 6:06
